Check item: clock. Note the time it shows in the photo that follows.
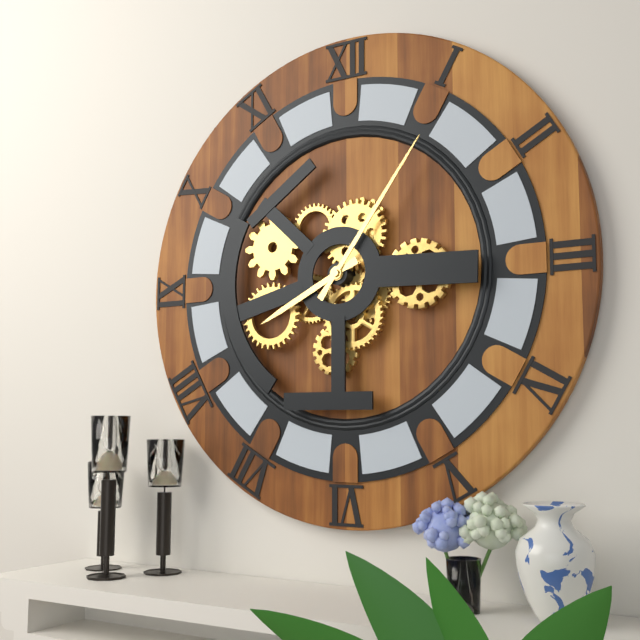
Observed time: 8:06
